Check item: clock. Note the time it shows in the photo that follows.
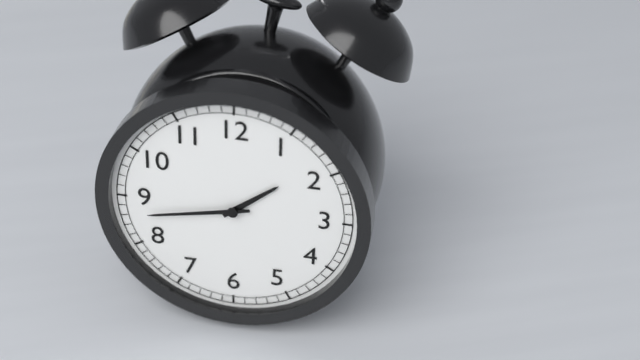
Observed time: 1:43
